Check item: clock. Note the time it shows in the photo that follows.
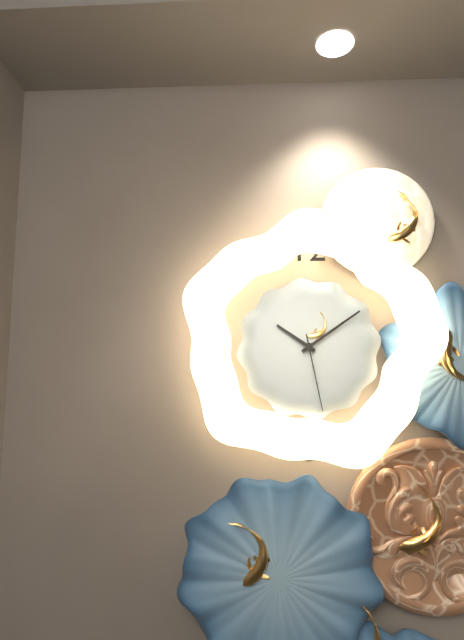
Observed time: 10:09:28
